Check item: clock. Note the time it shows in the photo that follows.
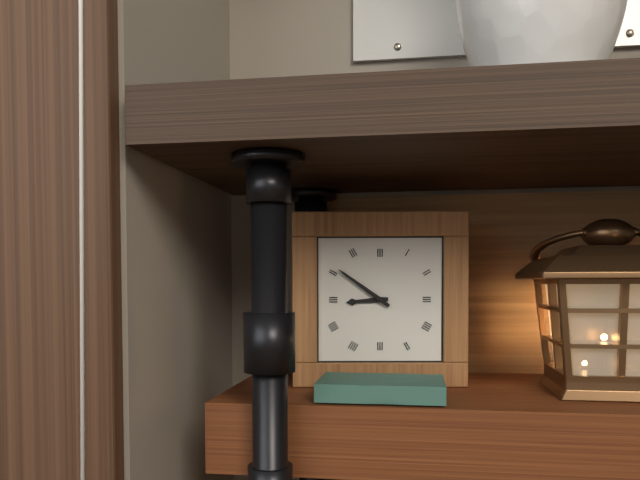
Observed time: 8:51
